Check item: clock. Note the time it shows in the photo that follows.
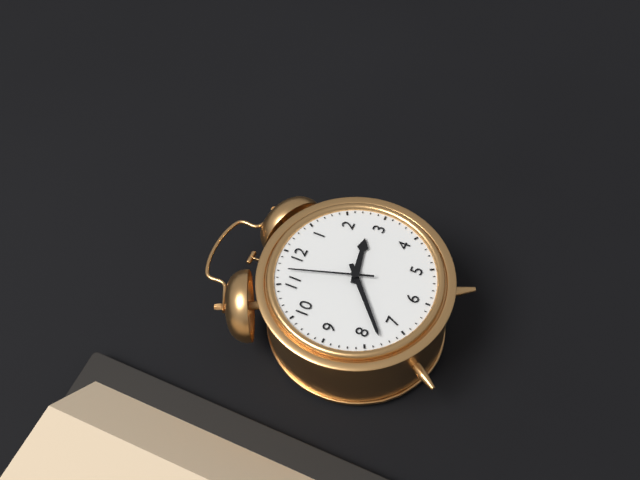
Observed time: 2:38:57
